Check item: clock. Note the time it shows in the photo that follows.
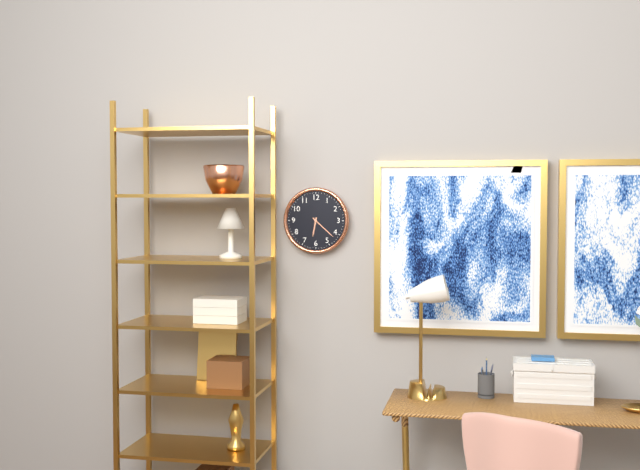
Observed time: 6:22
